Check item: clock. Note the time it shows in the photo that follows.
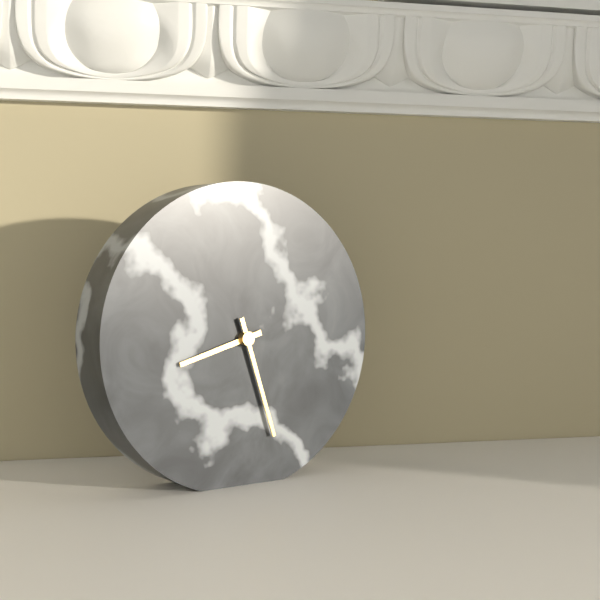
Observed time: 8:27
